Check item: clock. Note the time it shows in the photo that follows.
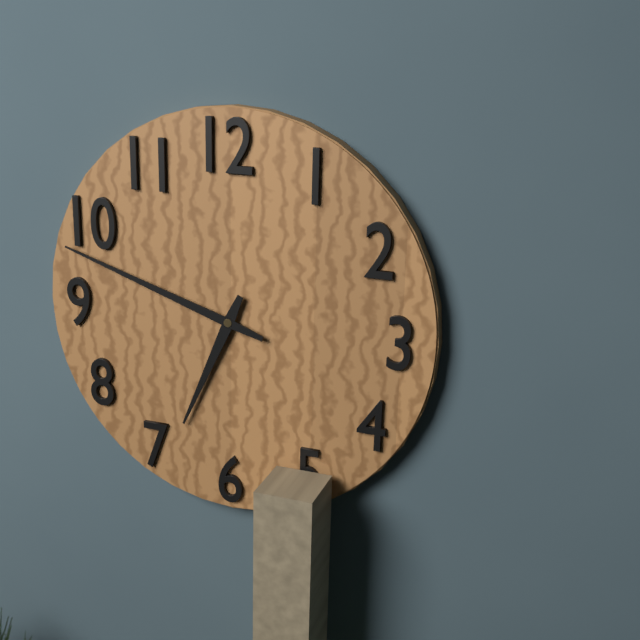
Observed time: 6:48
